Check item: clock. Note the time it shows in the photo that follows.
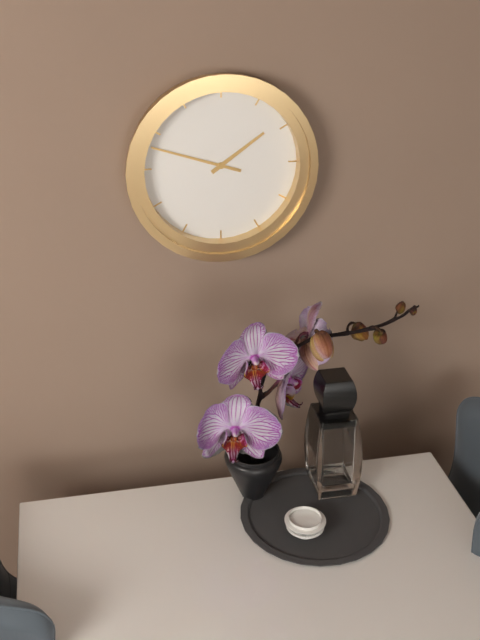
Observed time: 1:48
